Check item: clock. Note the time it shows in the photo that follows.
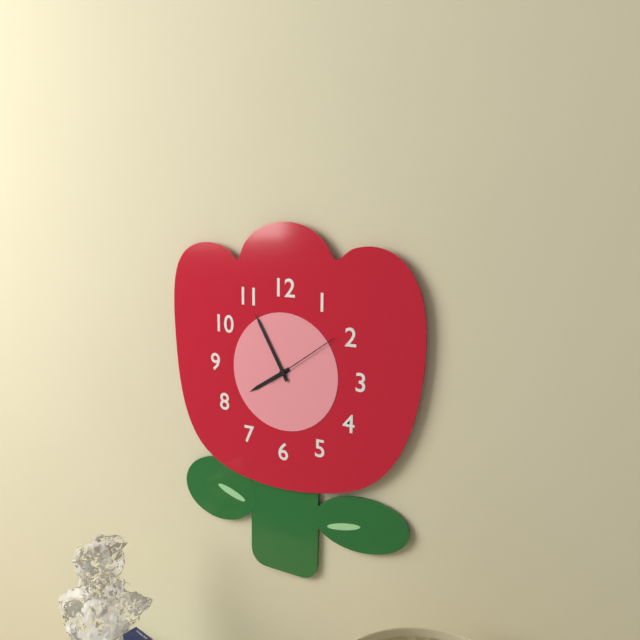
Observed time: 7:55:09
